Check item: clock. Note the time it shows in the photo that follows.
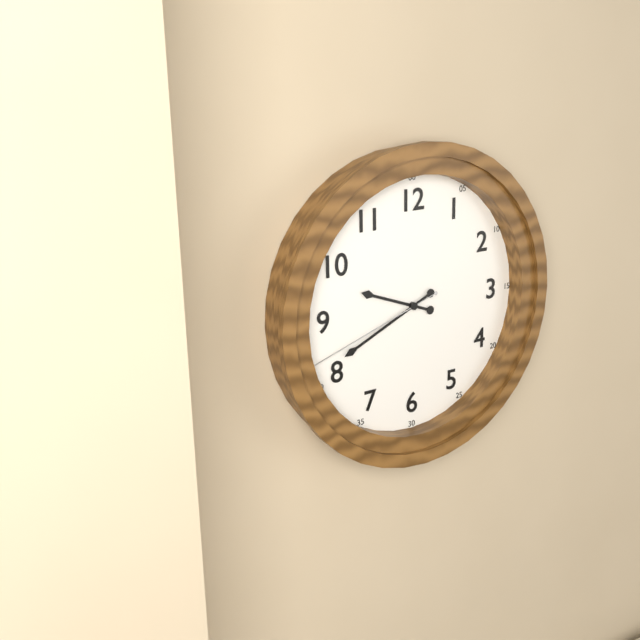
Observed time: 9:41:42
